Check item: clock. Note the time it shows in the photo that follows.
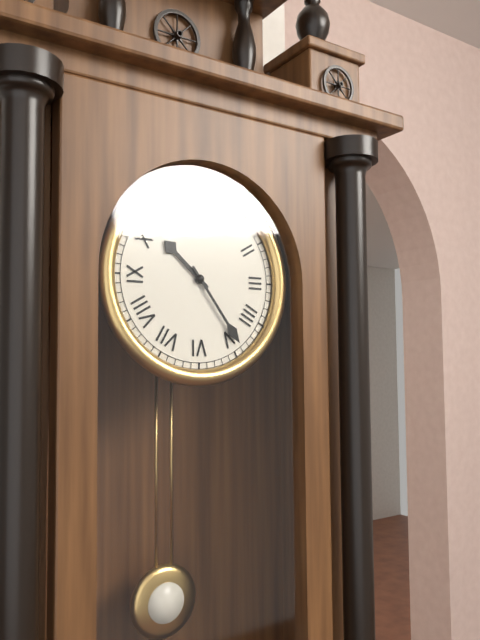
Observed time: 10:24
